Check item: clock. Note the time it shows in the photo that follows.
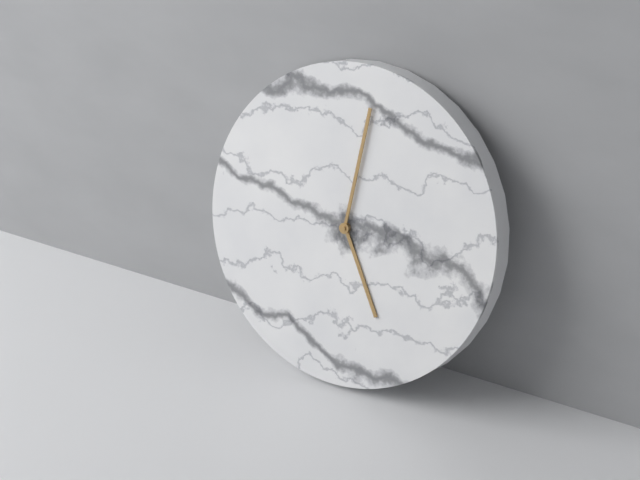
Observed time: 5:01
